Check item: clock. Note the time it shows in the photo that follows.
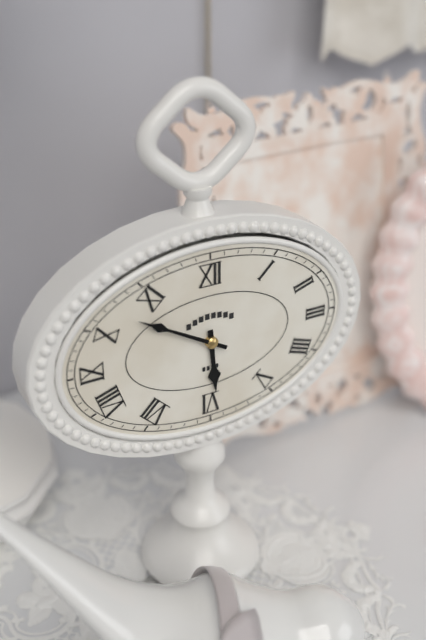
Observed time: 5:50
